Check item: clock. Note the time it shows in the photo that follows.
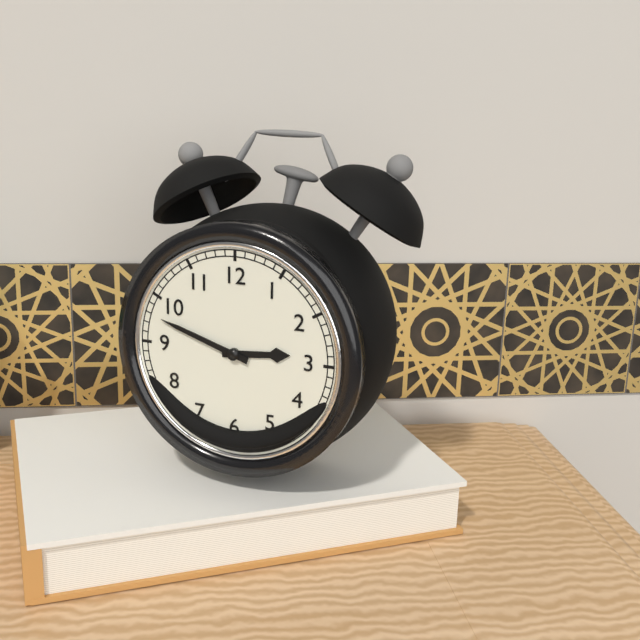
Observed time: 2:48
